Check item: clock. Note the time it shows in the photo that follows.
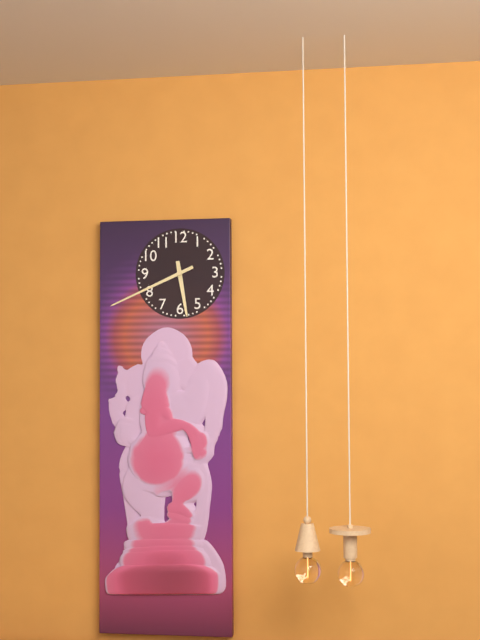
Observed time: 5:41
